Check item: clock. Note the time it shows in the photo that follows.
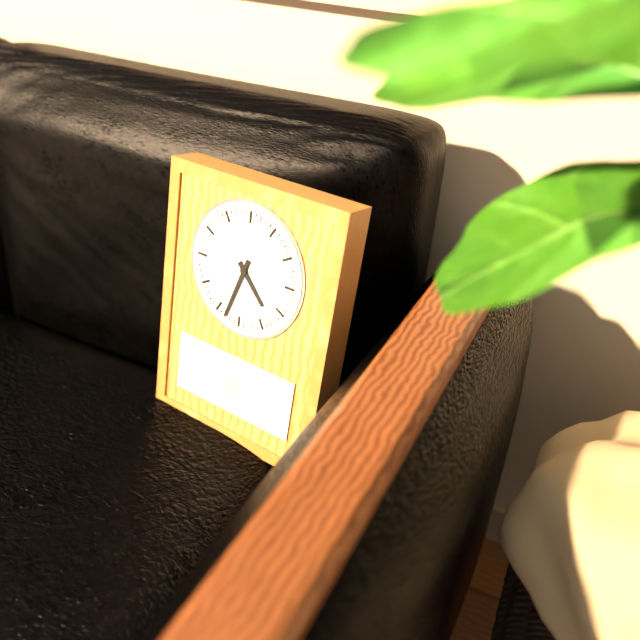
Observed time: 4:33
